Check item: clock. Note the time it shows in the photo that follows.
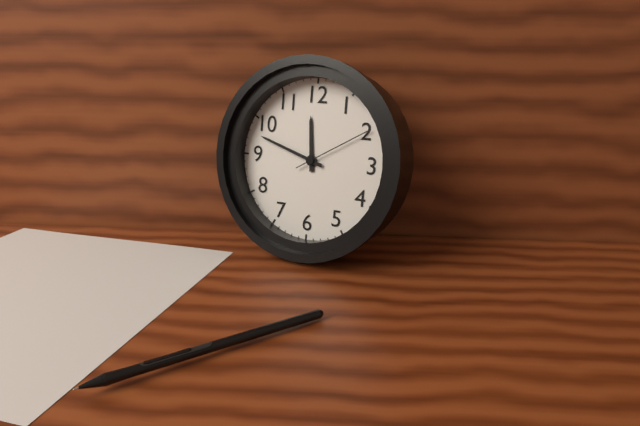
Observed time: 11:48:10
